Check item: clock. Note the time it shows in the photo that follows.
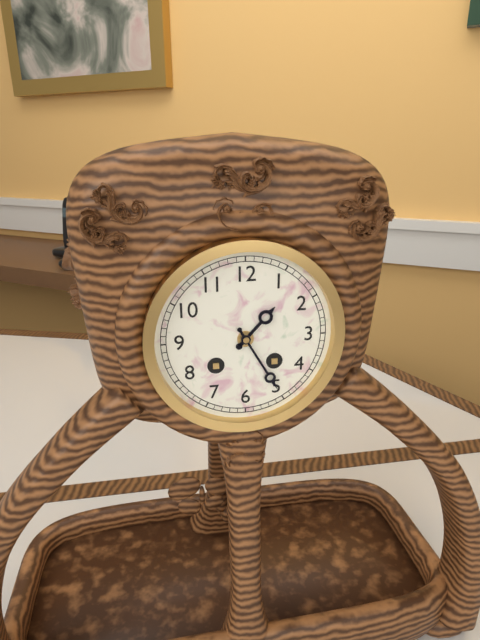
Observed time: 1:25
